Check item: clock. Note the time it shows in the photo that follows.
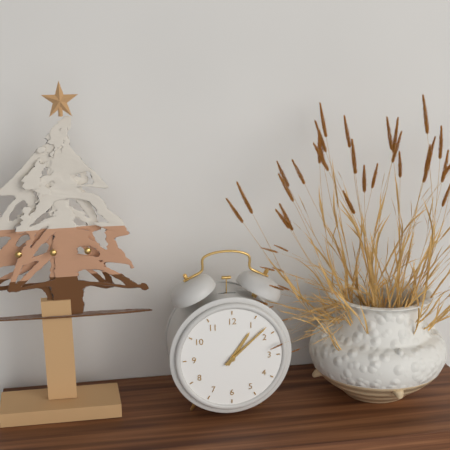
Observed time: 1:08
